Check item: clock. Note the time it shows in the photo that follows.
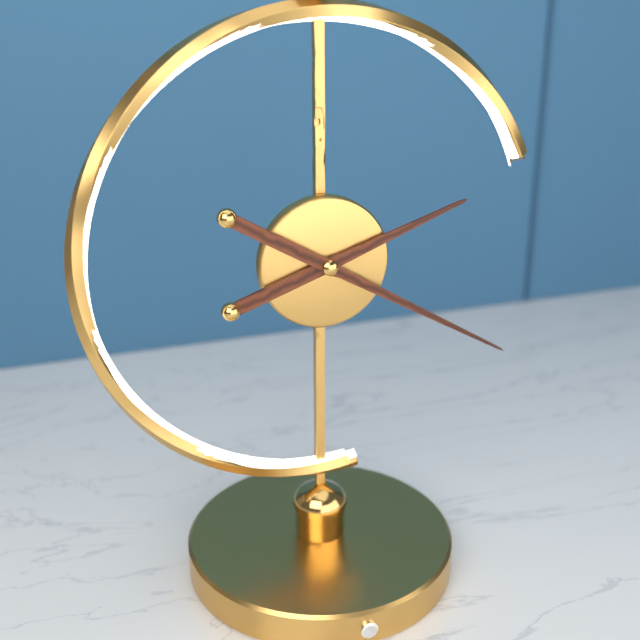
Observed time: 2:20
